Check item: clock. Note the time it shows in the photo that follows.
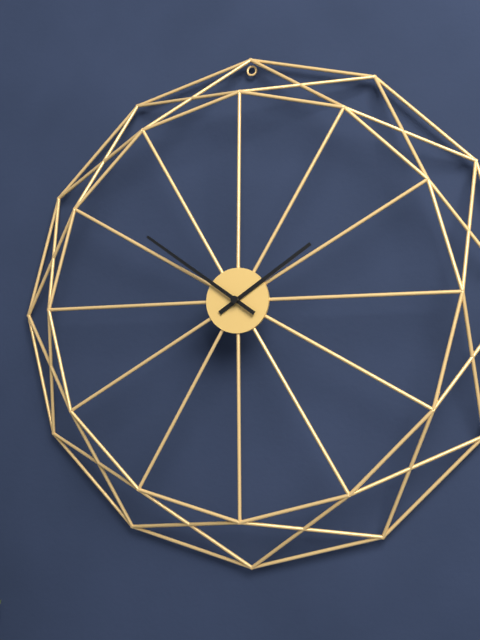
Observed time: 1:51
